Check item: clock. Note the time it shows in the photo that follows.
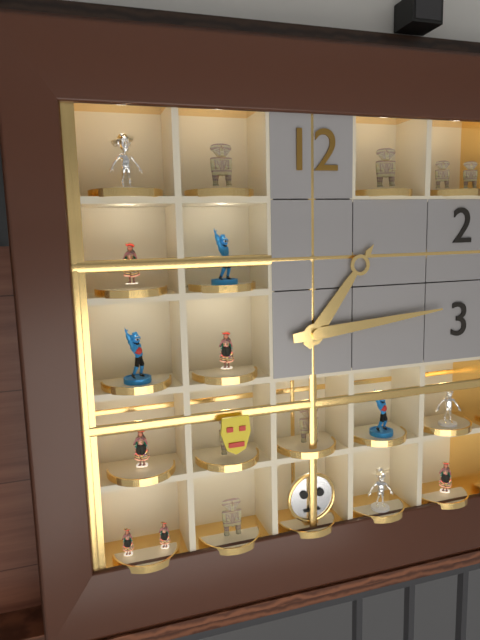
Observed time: 1:14
